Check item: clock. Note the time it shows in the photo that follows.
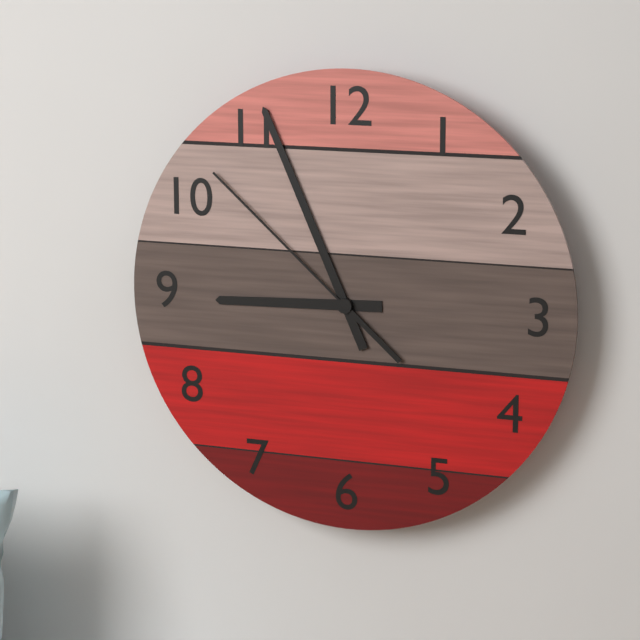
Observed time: 8:56:52
